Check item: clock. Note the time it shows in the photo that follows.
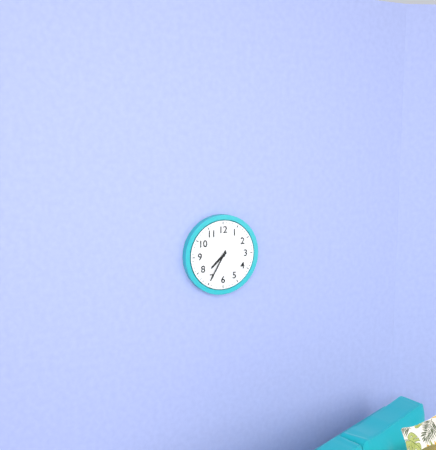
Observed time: 7:35
